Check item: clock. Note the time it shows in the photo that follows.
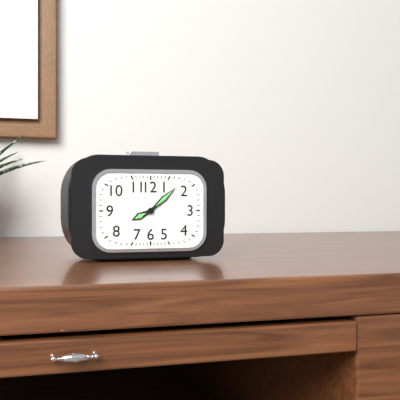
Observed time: 8:08
